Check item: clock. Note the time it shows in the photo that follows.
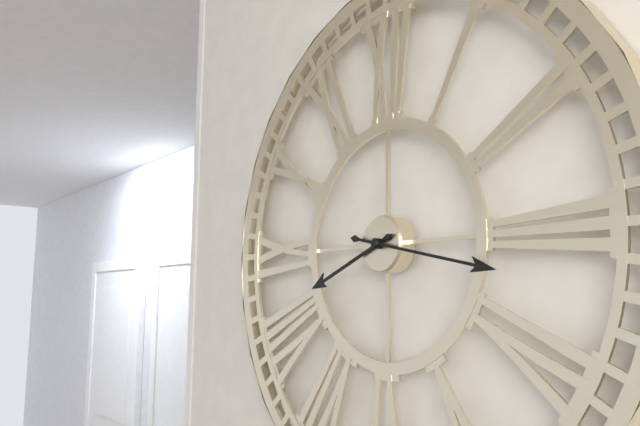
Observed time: 8:17
